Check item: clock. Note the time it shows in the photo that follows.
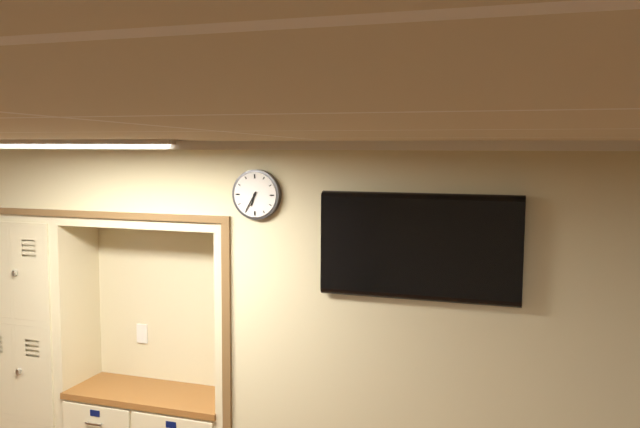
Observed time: 6:35
